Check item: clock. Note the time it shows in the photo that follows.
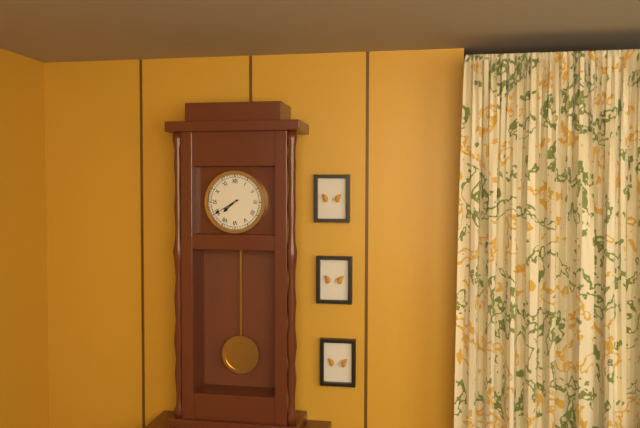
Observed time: 7:40
